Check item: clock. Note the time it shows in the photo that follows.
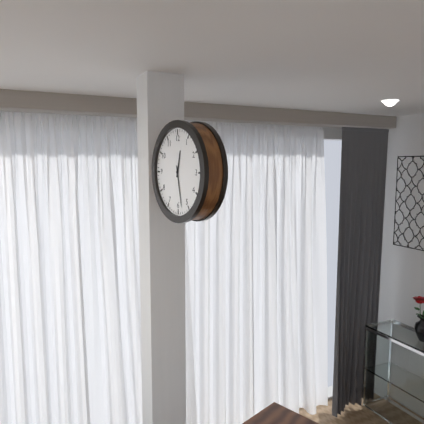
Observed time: 12:28
